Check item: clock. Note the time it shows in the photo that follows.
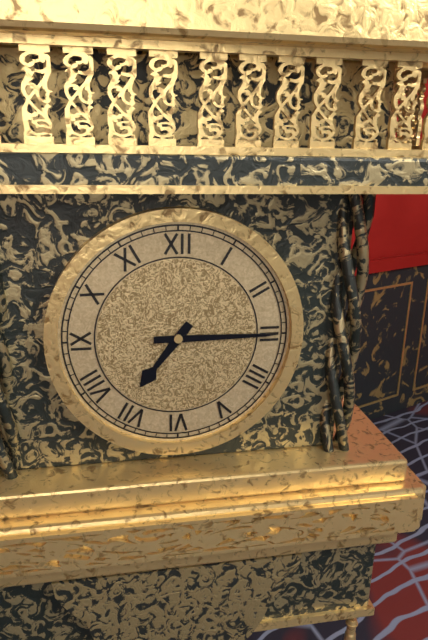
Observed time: 7:15
